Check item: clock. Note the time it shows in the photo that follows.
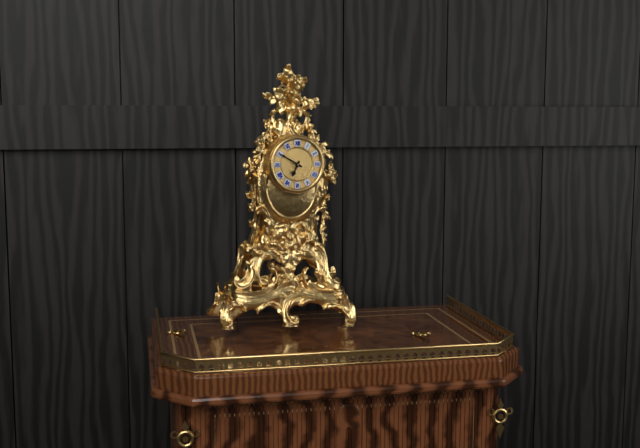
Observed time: 6:50
